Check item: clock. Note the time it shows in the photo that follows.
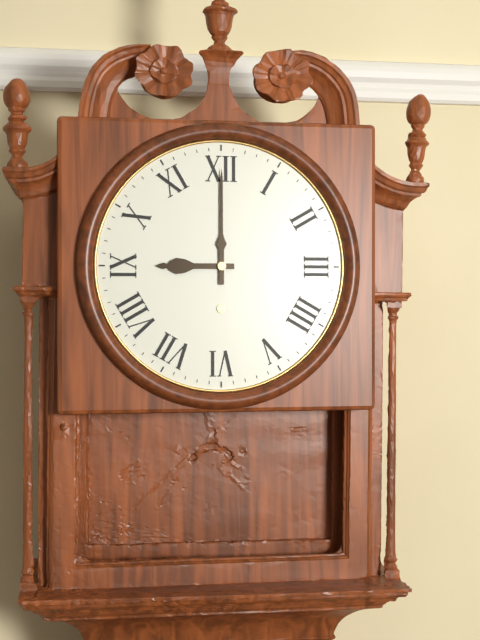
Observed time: 9:00
